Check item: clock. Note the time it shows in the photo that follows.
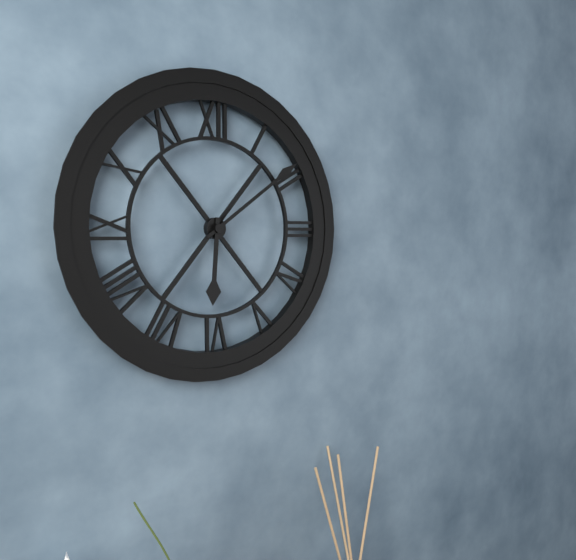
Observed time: 6:09
